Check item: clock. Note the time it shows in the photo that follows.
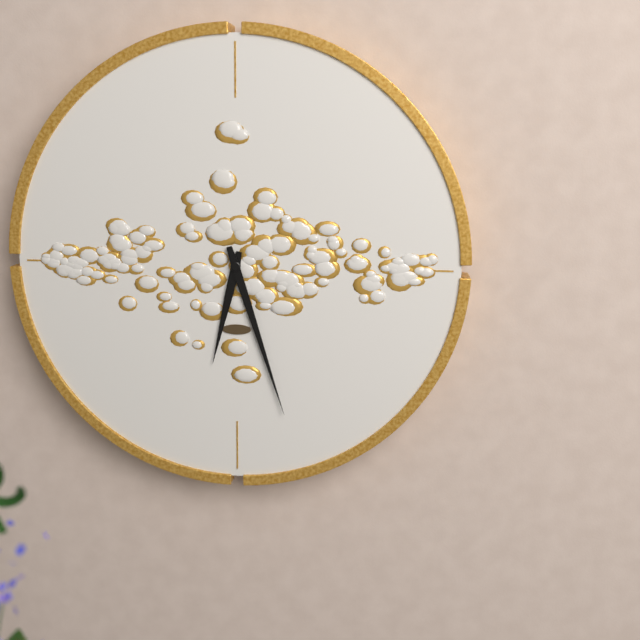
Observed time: 6:27
